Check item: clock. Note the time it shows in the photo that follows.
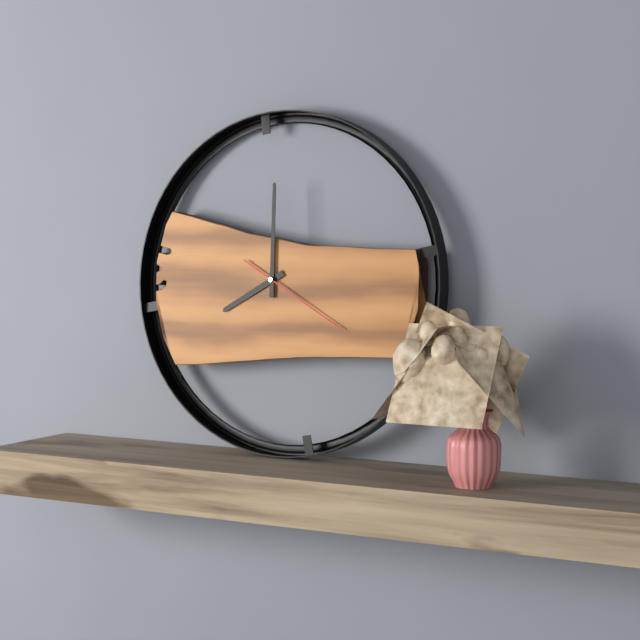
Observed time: 8:00:20
